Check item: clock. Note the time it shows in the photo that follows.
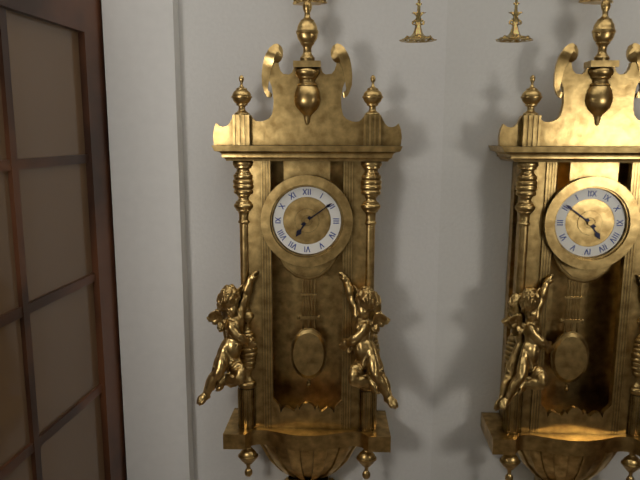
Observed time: 7:09
